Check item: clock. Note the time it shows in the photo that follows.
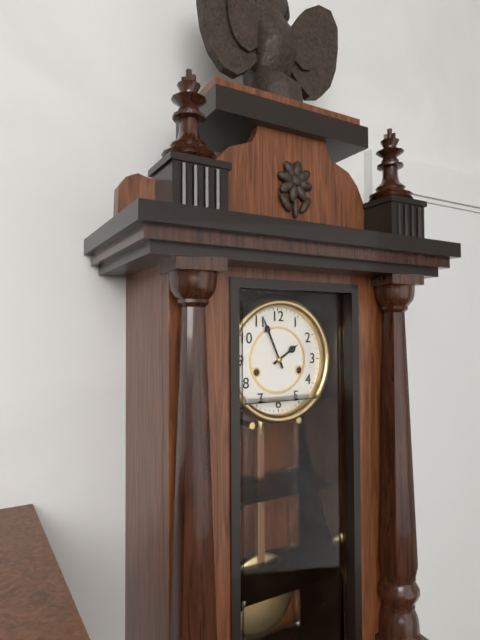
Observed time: 1:56
